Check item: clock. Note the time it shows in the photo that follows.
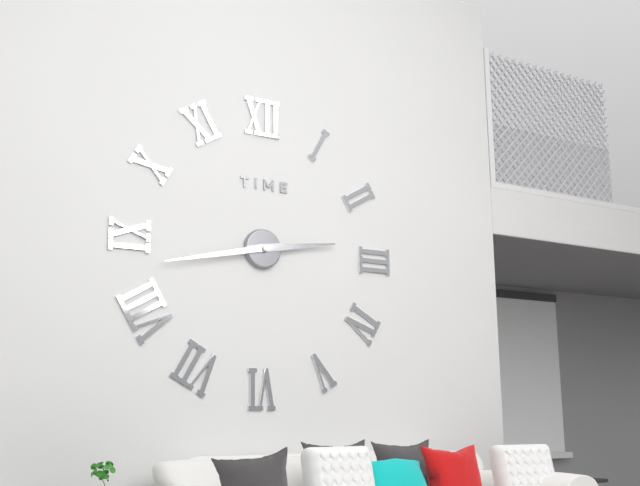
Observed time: 2:43
